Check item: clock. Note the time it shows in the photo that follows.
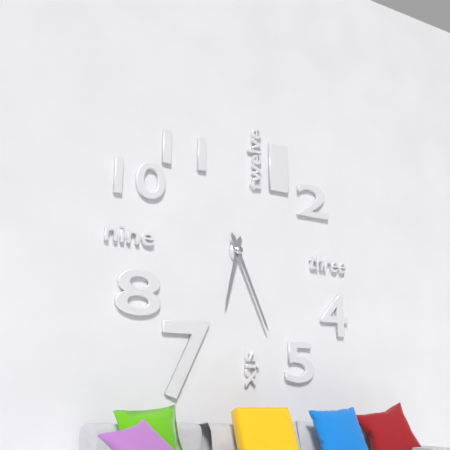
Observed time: 6:26
